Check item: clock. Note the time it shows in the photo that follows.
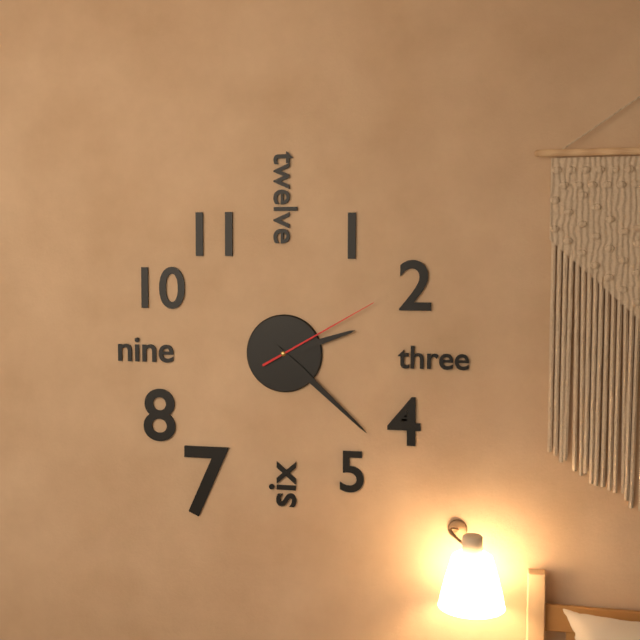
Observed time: 2:22:10
